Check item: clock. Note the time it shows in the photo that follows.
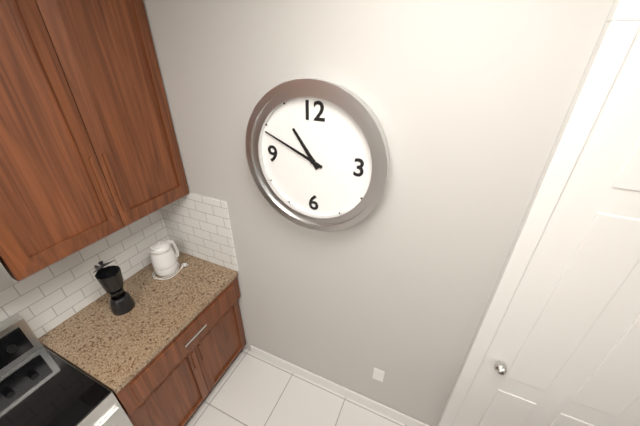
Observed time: 10:49
